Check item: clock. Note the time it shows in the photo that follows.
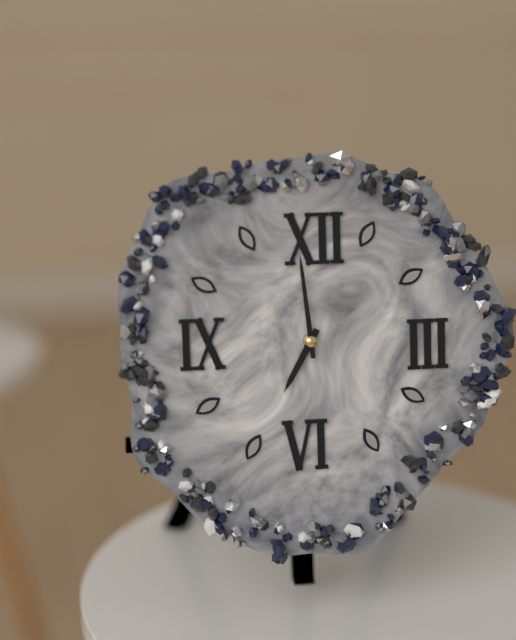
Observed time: 6:59
